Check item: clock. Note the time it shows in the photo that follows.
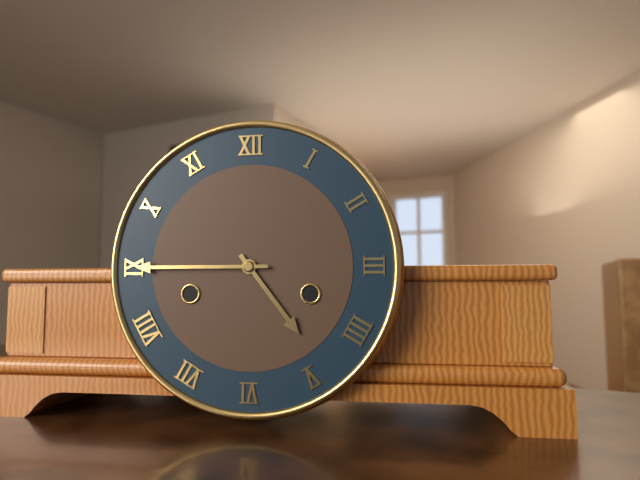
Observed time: 4:45
